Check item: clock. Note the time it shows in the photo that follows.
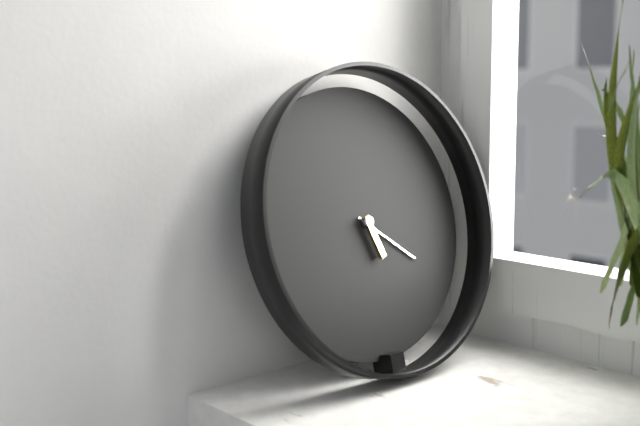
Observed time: 5:21
